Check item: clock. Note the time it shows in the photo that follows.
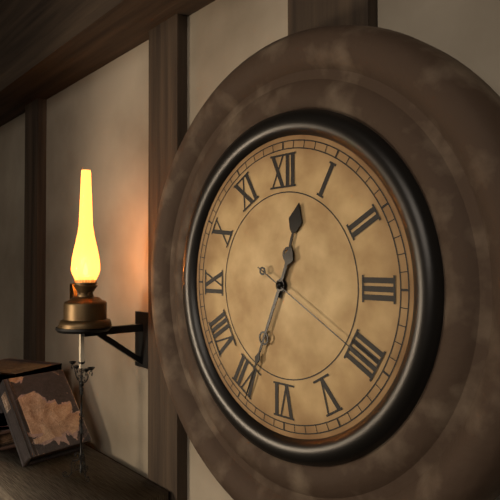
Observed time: 12:34:20
